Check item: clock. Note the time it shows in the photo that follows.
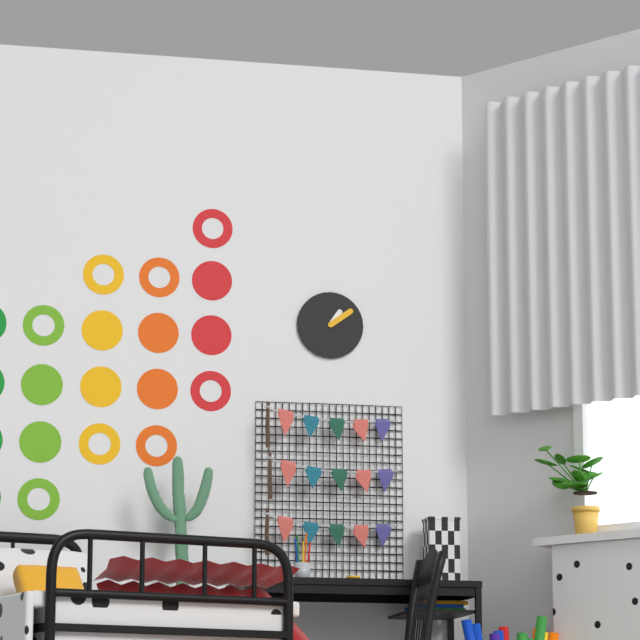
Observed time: 1:09
